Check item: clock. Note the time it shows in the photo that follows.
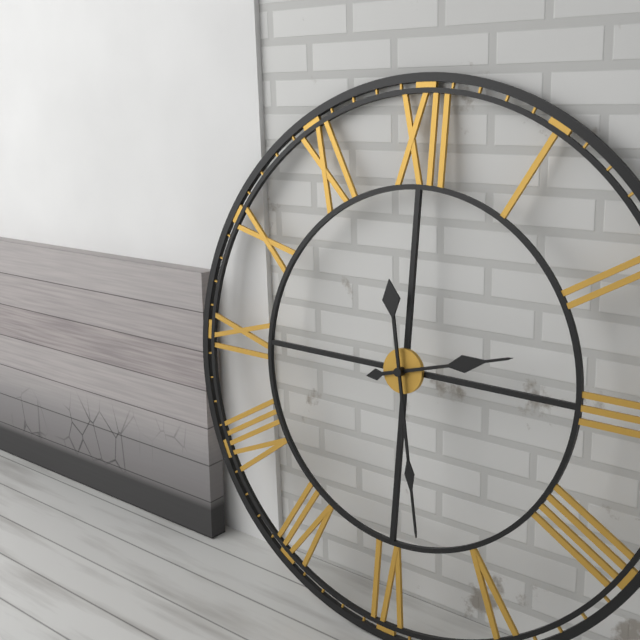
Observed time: 2:28
